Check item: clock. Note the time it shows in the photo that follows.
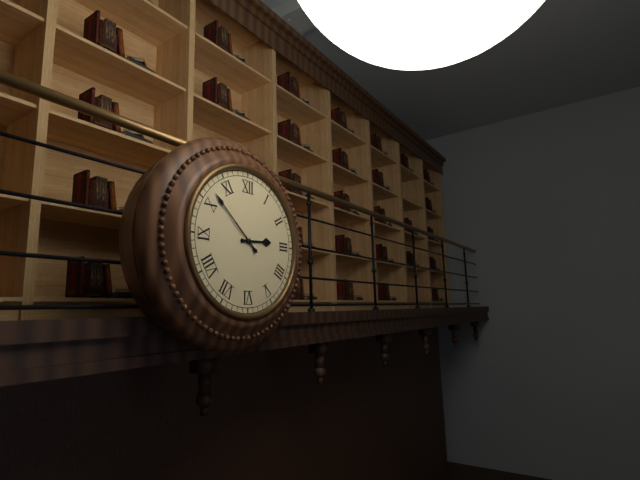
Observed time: 2:52
